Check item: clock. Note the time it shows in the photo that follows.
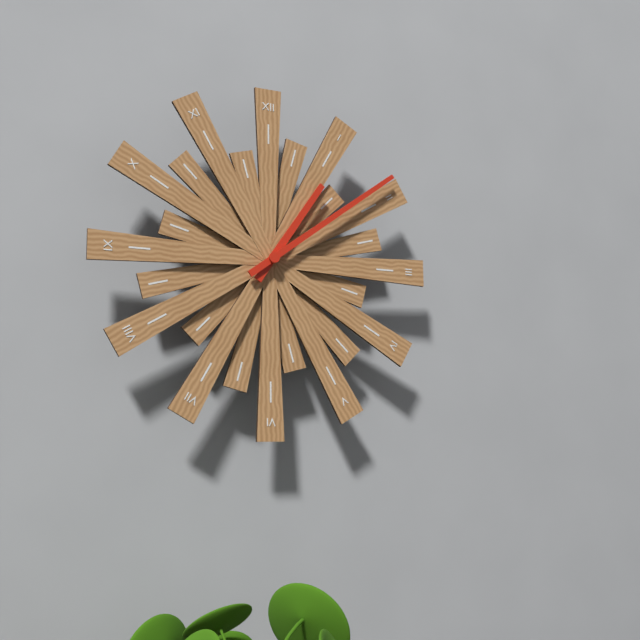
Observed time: 1:09
